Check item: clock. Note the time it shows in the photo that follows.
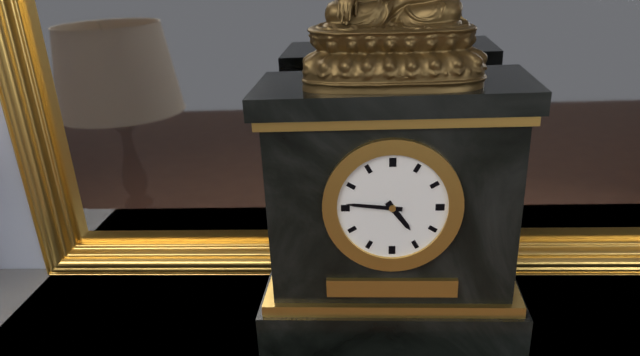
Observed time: 4:46
